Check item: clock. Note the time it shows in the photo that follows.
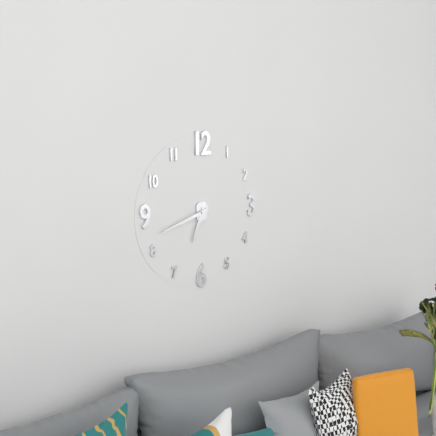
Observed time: 6:42
